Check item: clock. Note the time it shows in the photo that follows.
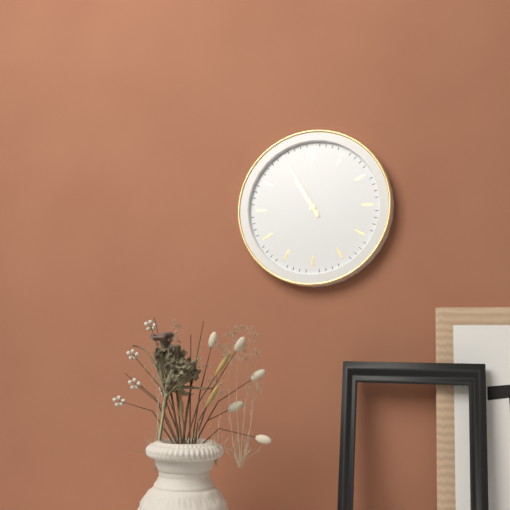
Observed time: 10:55
